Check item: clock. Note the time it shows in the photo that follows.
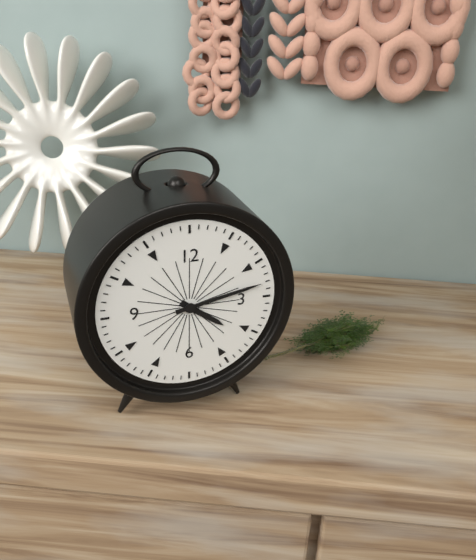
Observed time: 4:13
